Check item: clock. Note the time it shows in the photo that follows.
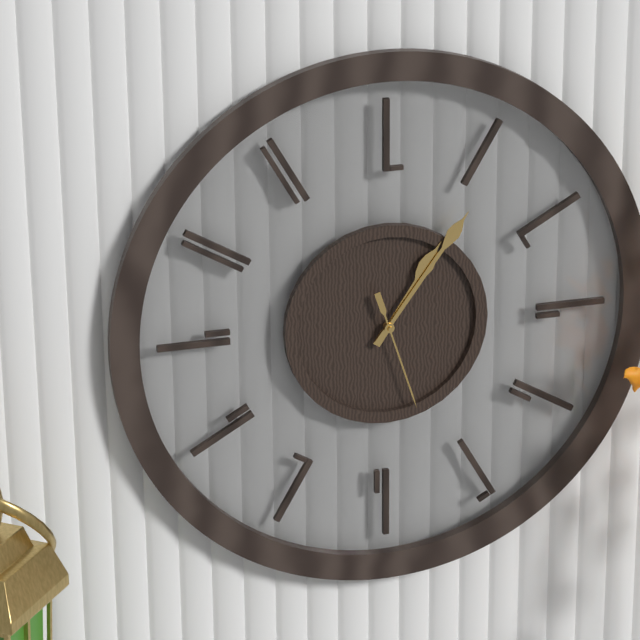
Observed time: 1:06:27
